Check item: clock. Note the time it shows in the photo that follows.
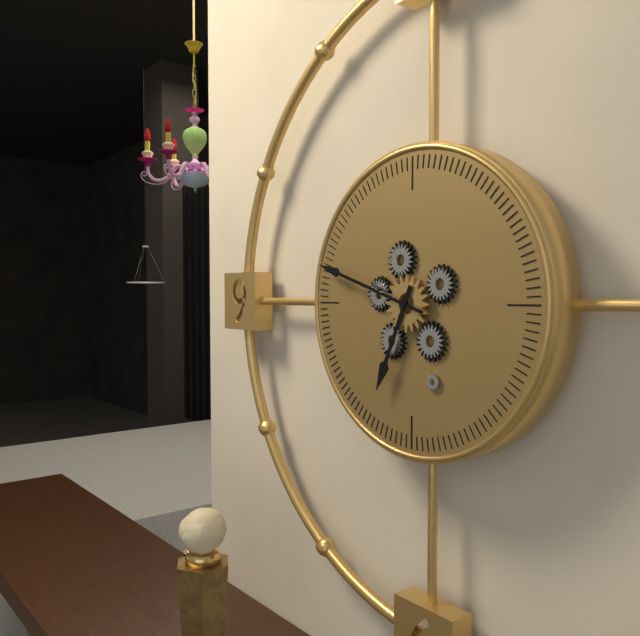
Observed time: 6:48
